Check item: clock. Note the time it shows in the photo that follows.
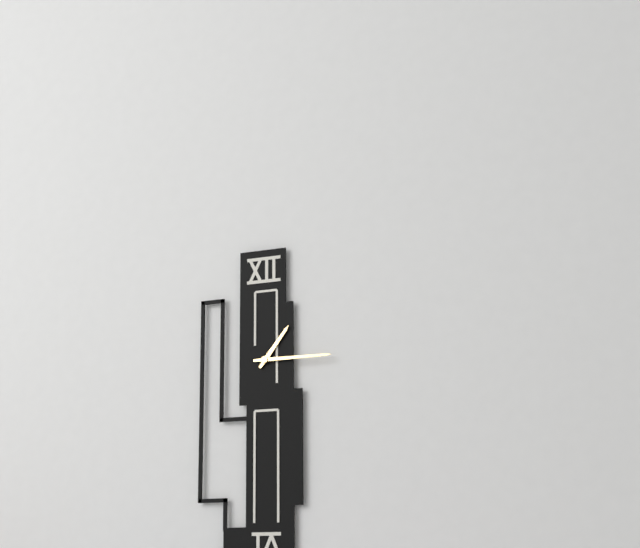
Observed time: 1:15
